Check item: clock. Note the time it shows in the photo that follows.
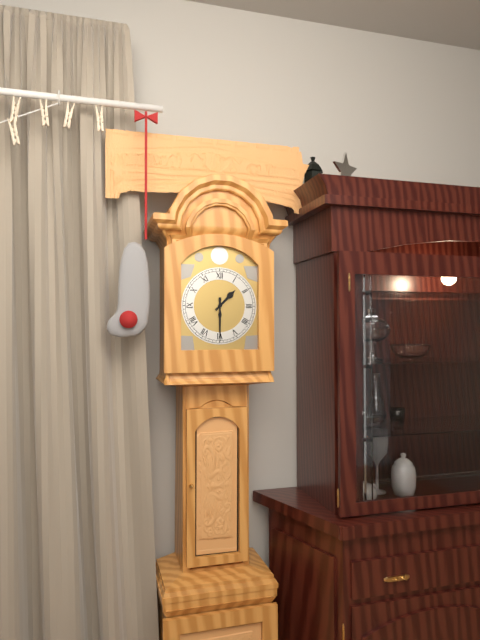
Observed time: 1:30
